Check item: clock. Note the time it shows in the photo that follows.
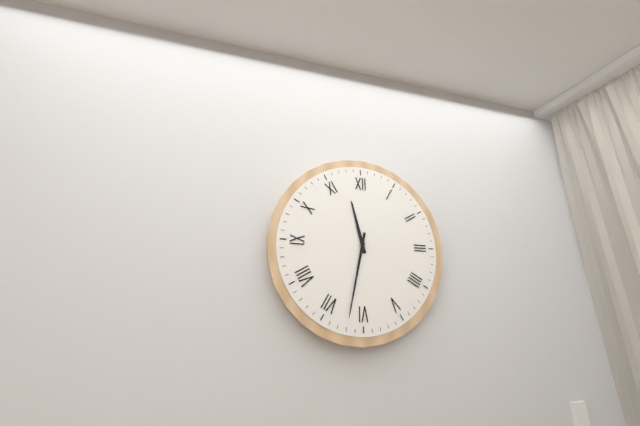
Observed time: 11:32
